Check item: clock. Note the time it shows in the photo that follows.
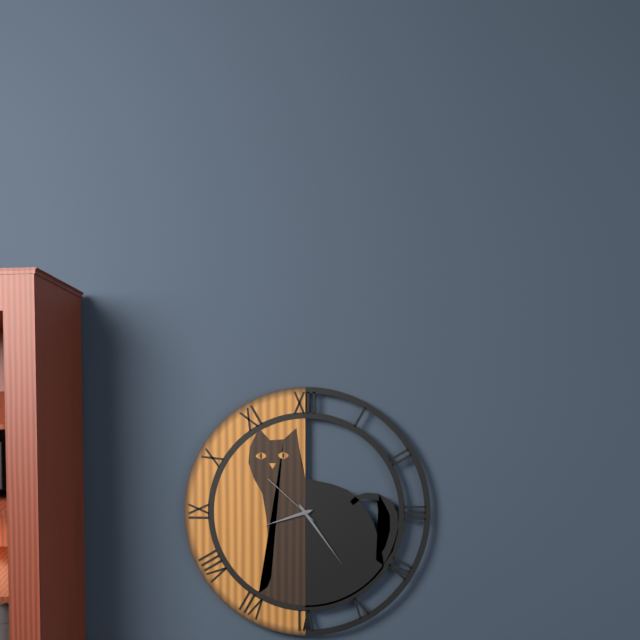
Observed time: 8:24:52
